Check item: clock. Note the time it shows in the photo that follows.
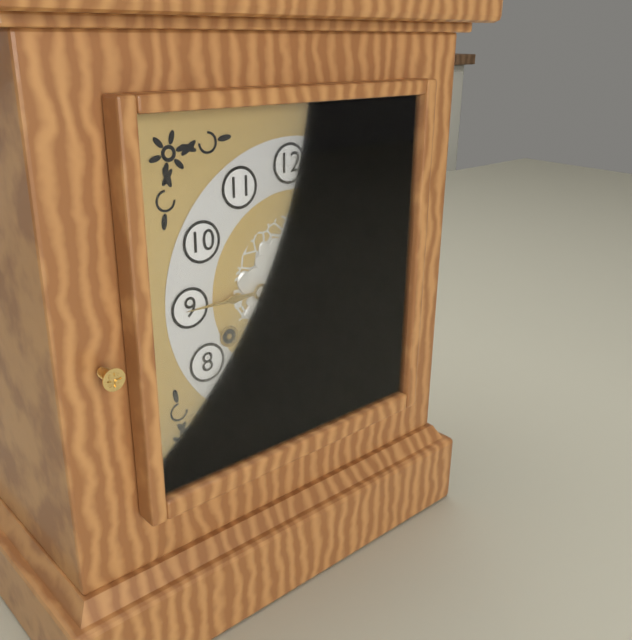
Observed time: 12:45
